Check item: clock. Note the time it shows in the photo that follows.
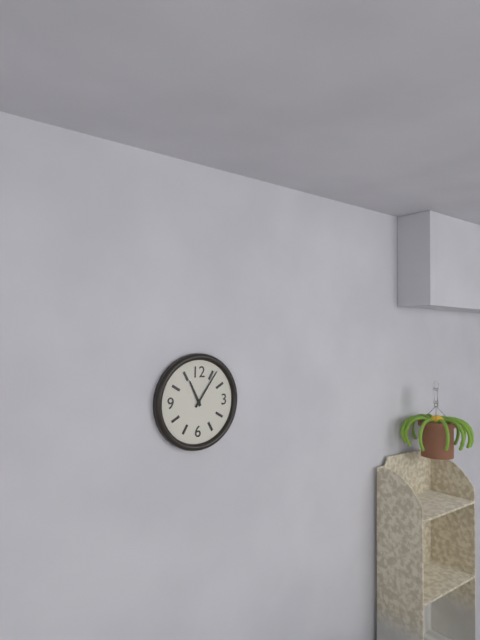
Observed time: 11:06
